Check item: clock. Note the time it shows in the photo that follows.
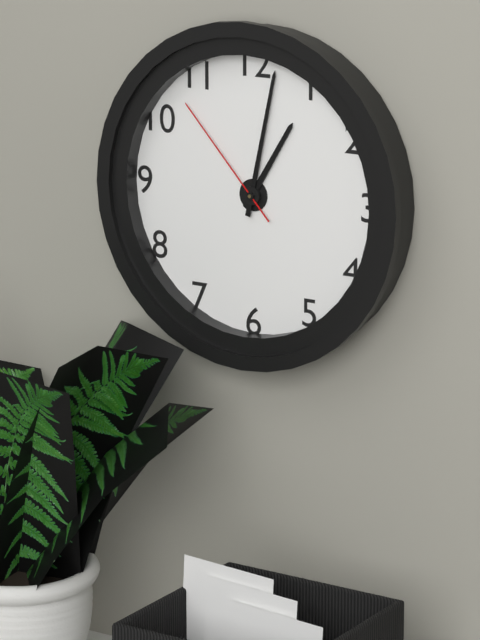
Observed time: 1:02:53
